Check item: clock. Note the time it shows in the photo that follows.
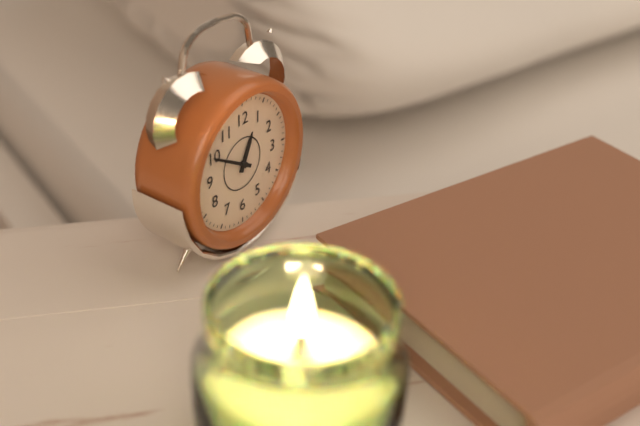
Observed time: 12:50
